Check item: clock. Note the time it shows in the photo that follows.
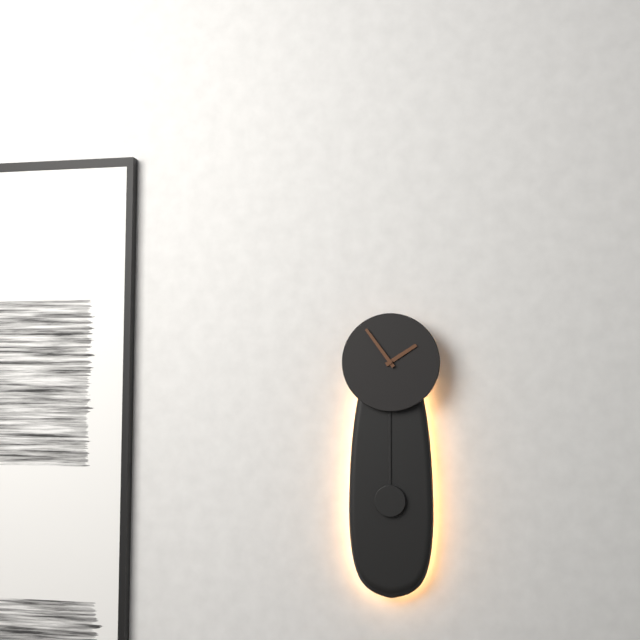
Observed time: 1:54
